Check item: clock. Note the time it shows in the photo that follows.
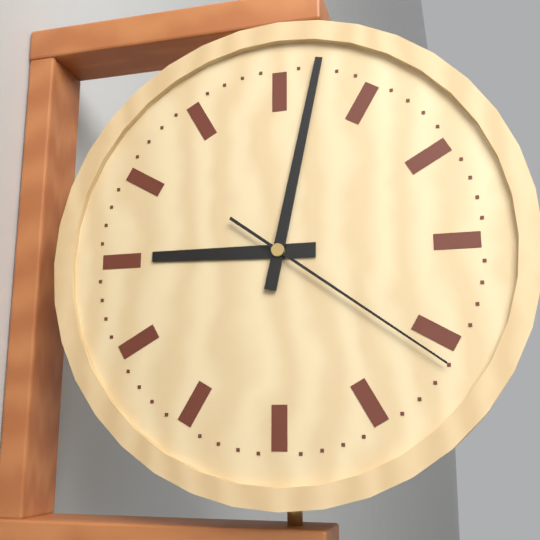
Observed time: 9:02:21
